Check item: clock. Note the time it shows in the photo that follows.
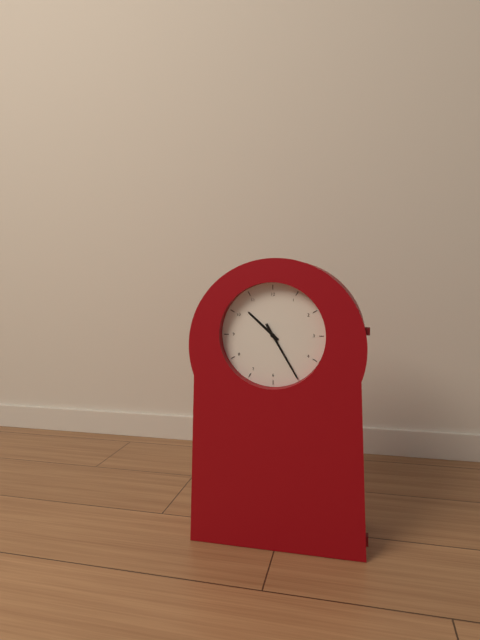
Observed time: 10:25
